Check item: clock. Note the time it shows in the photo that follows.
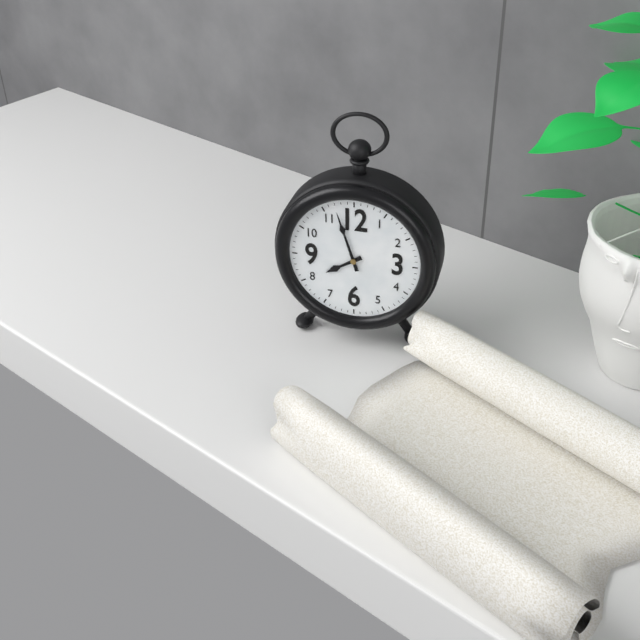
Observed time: 7:57
